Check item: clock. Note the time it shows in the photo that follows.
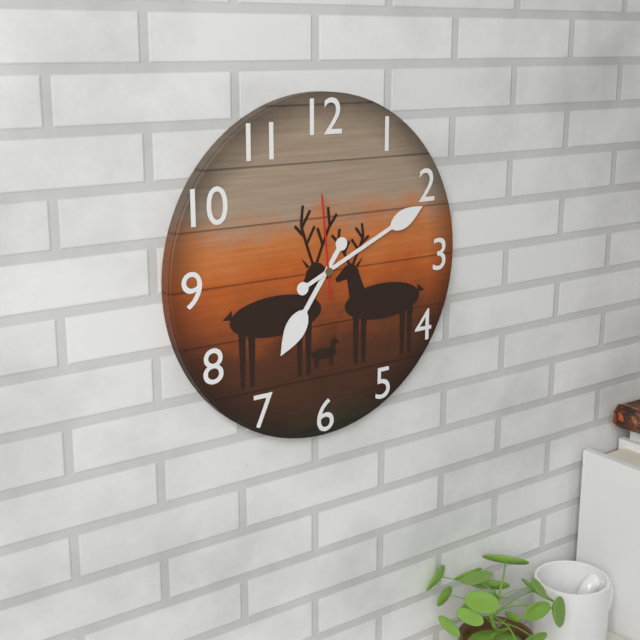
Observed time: 7:11:59
